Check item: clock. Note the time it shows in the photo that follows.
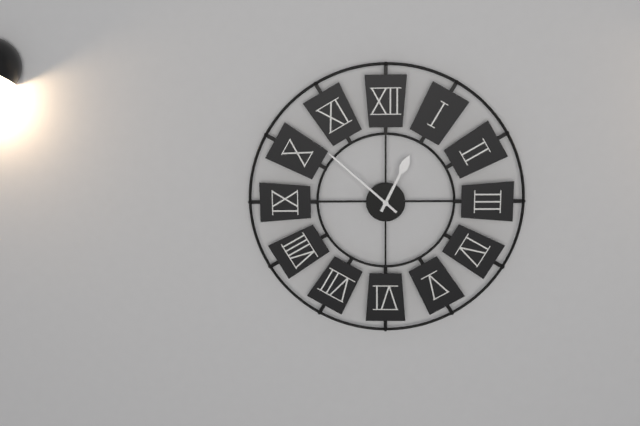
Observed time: 12:52
